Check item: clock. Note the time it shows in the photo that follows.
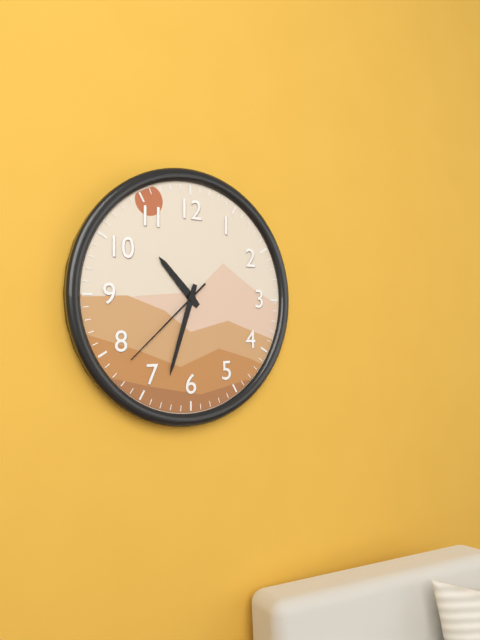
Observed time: 10:33:38
